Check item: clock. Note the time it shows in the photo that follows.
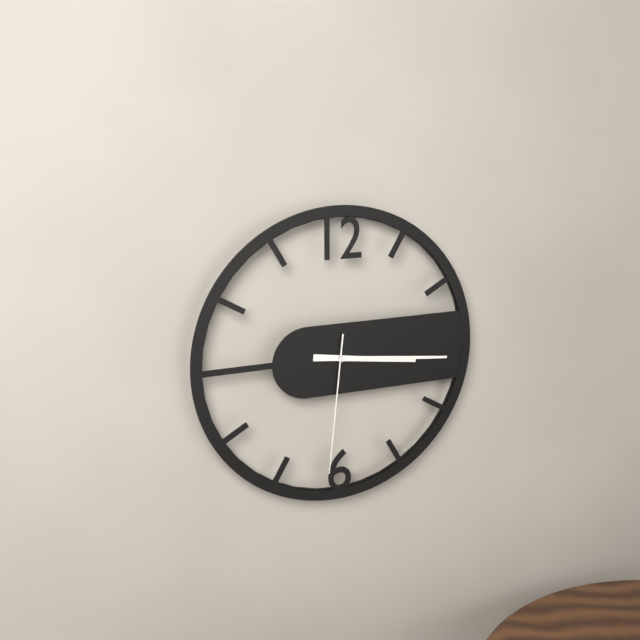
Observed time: 3:16:31
